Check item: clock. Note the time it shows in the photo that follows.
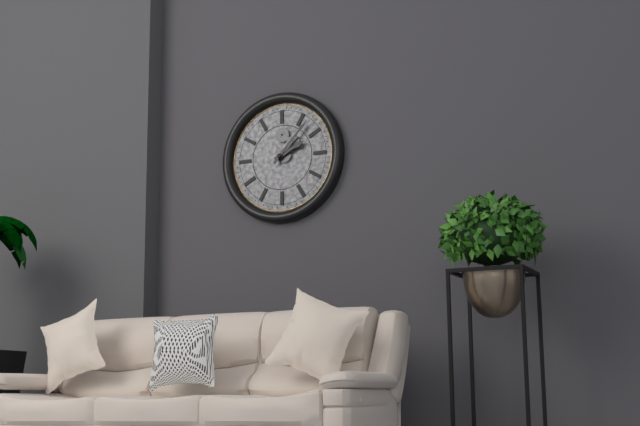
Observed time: 2:07
